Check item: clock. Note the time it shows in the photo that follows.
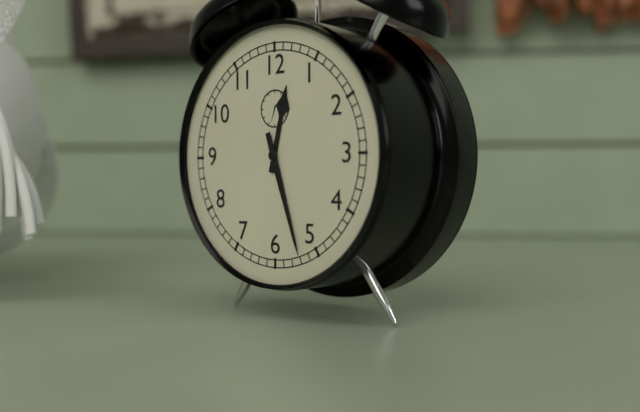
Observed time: 12:27
